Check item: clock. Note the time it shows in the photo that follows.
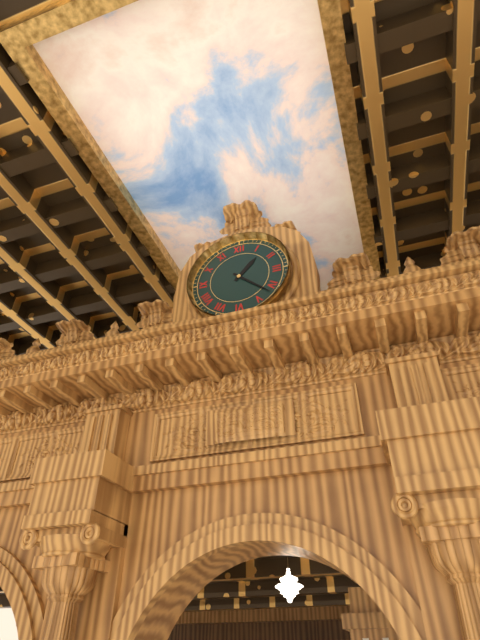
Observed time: 1:22
